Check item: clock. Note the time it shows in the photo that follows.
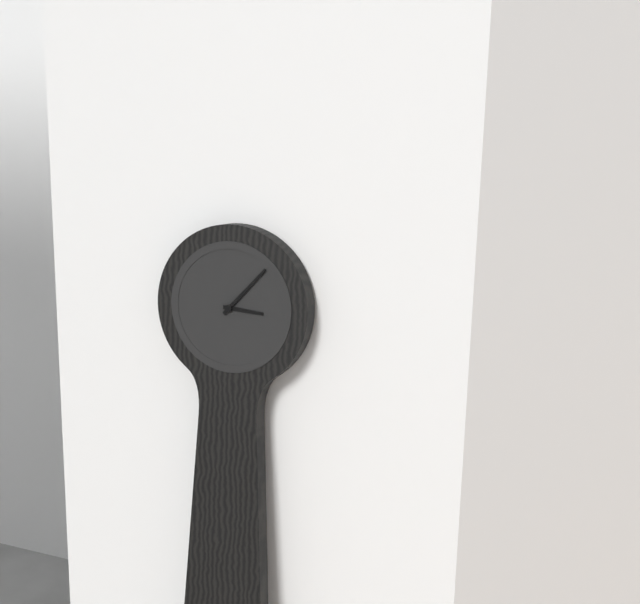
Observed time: 3:07
